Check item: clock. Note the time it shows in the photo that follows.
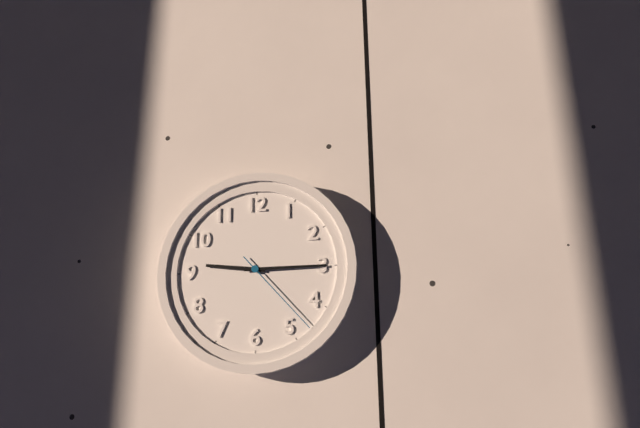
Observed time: 9:15:23
